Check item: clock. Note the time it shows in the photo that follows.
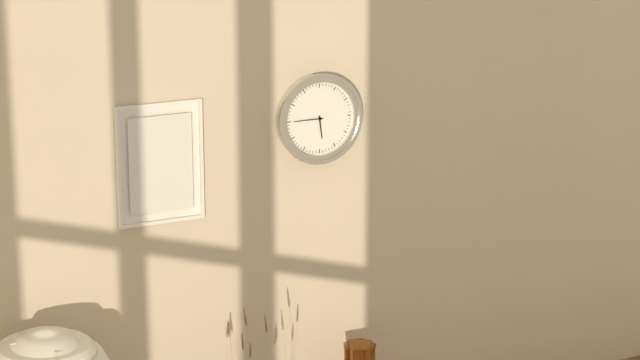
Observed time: 5:45
